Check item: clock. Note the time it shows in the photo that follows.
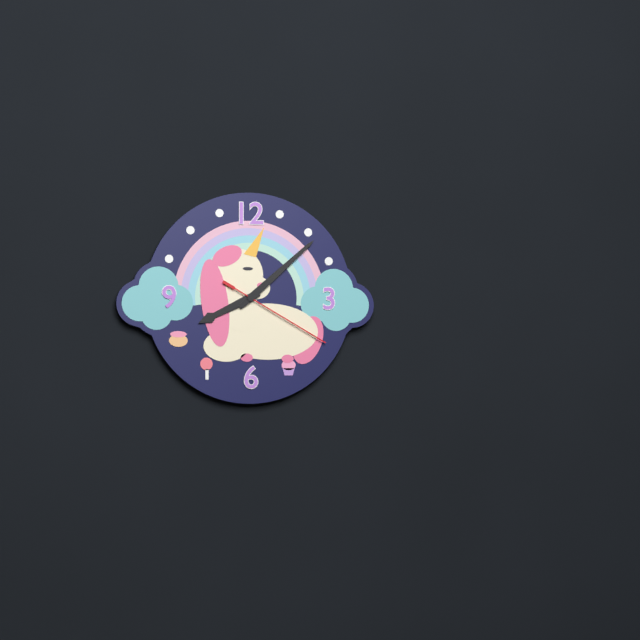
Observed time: 8:08:20
